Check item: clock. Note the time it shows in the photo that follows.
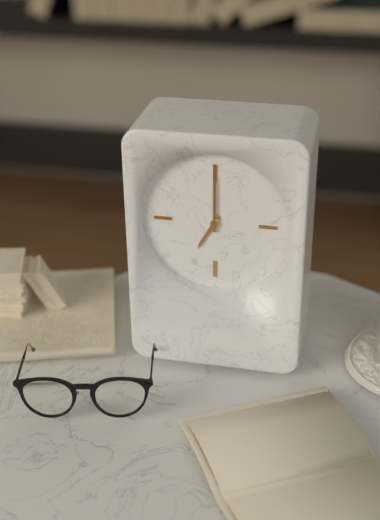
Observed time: 7:00
